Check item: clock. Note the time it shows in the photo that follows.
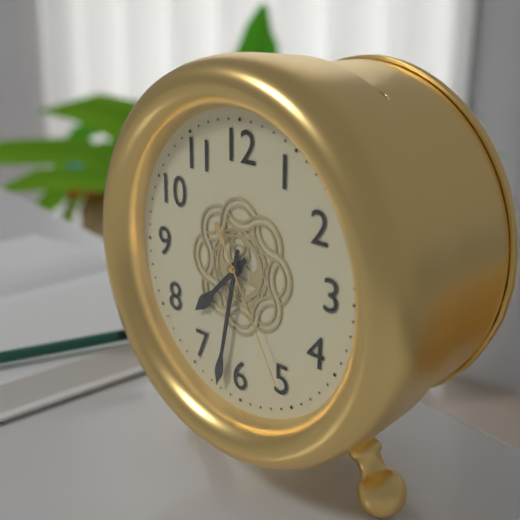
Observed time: 7:32:25
